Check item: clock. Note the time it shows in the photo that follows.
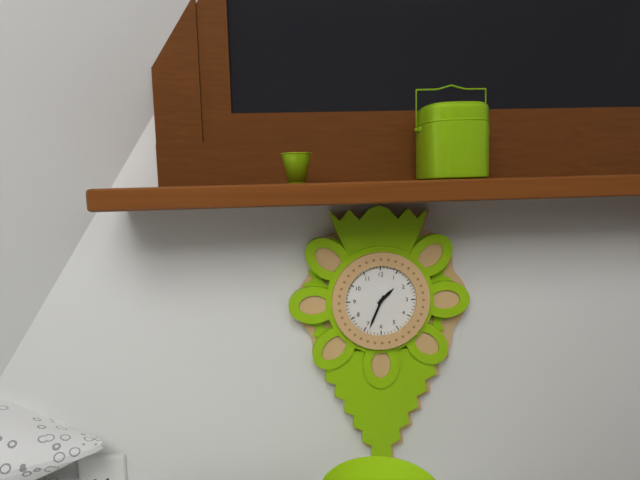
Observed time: 1:34
